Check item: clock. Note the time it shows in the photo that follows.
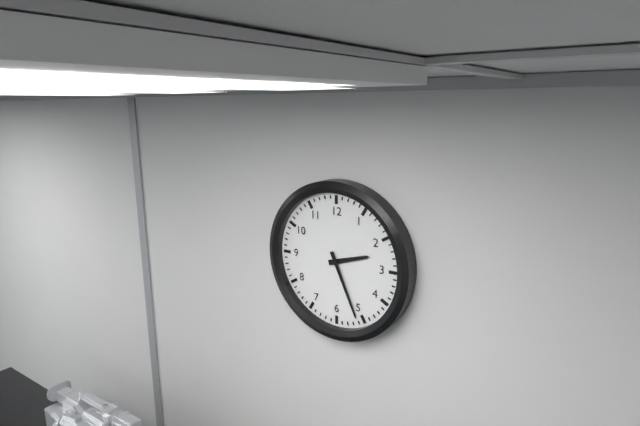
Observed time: 2:26
